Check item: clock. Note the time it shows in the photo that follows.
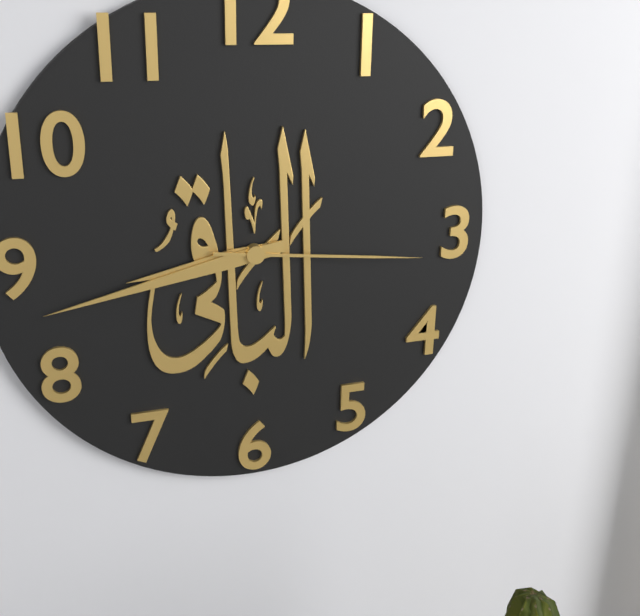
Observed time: 8:43:16
